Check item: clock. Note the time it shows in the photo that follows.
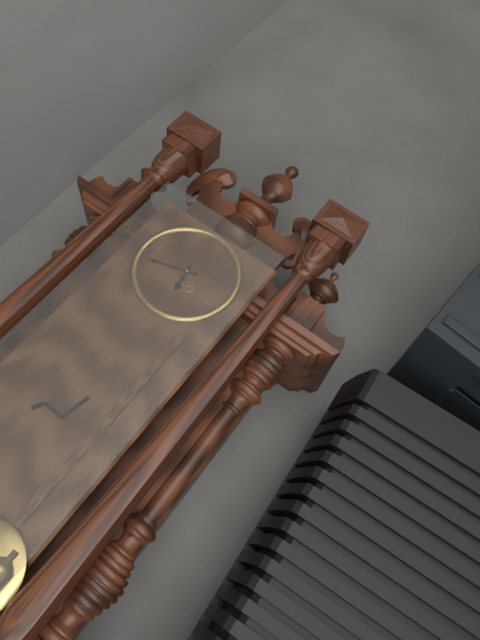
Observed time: 5:42
